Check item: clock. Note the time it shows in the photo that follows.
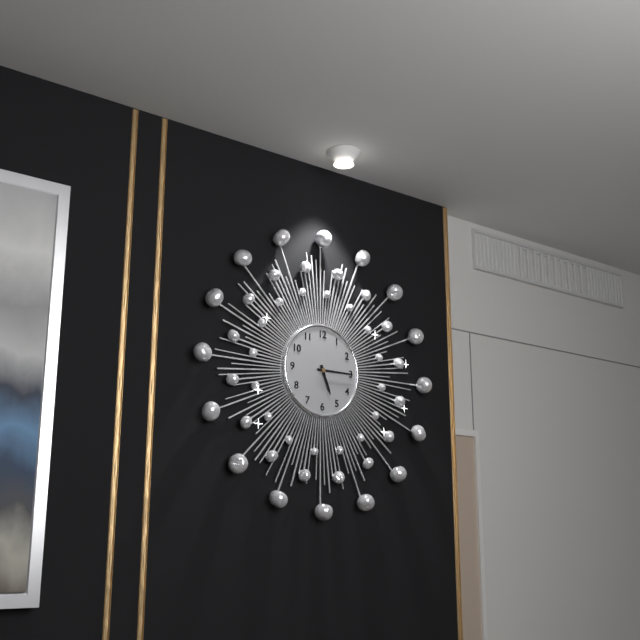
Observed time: 5:15
